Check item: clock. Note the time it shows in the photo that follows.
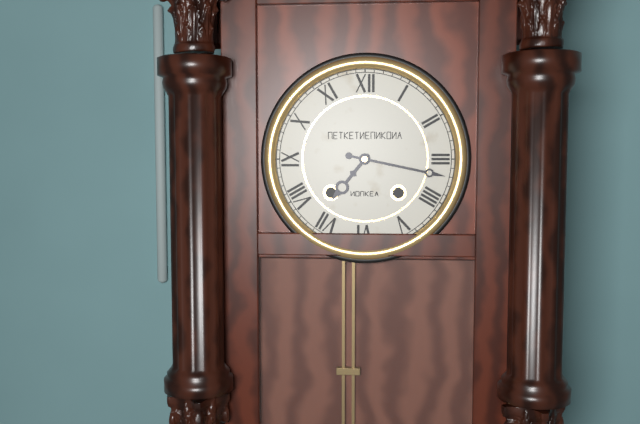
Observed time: 7:17
